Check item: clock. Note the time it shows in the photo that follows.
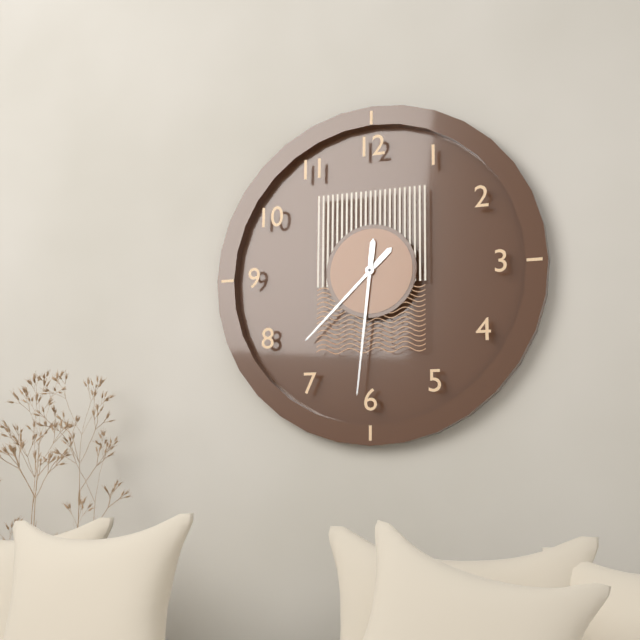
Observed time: 7:31
